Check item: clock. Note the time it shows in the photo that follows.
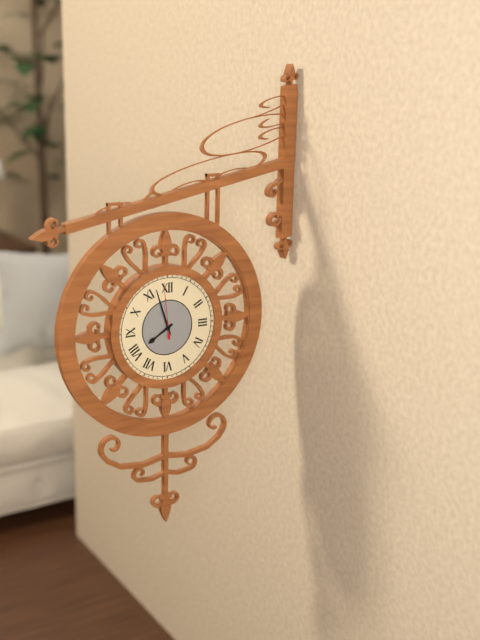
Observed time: 7:57:59
